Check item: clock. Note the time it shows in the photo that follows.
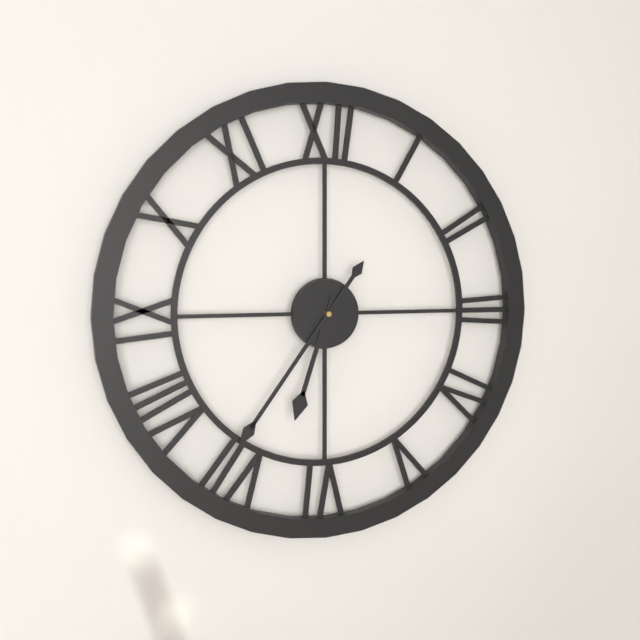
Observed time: 6:36
